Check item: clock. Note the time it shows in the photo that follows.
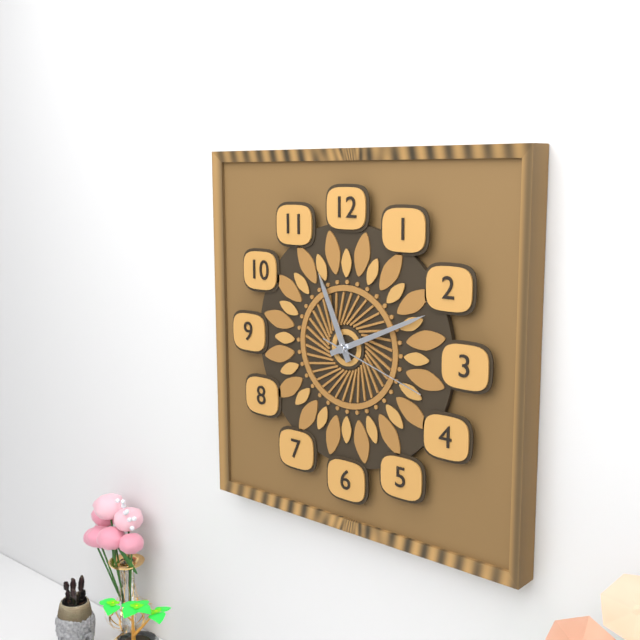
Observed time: 11:11:18
